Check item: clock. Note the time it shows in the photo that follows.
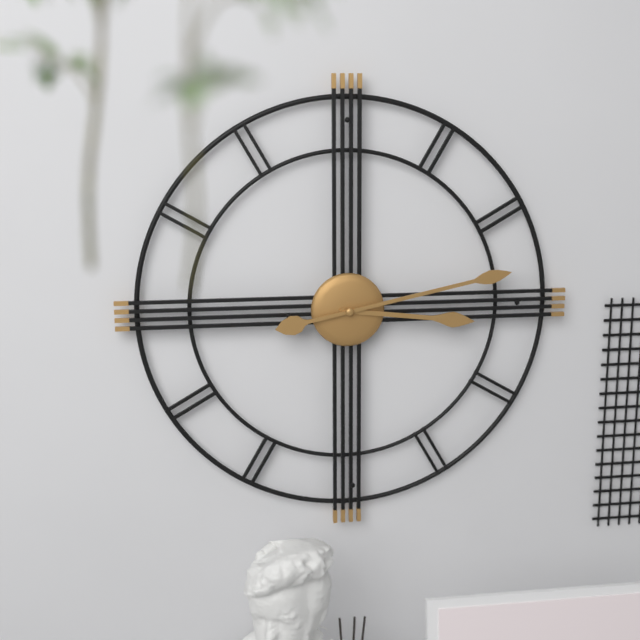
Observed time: 3:13
